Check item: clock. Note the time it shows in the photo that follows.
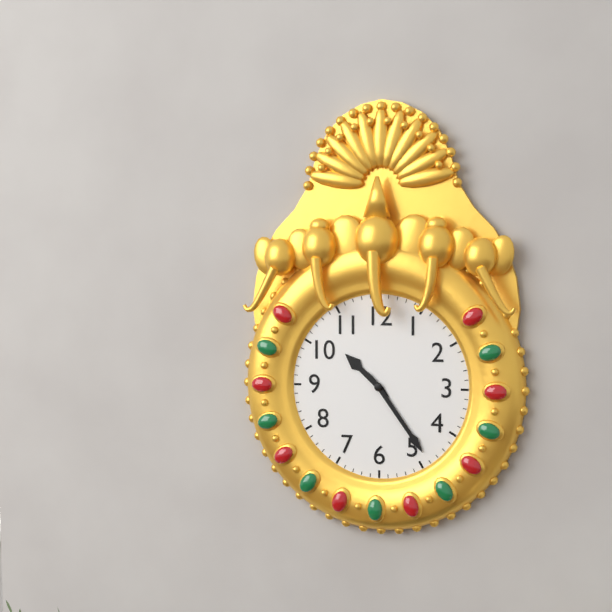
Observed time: 10:24
